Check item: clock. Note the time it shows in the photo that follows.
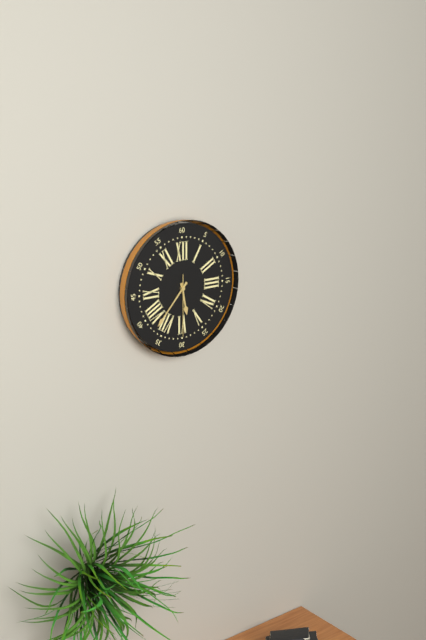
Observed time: 5:37:30
